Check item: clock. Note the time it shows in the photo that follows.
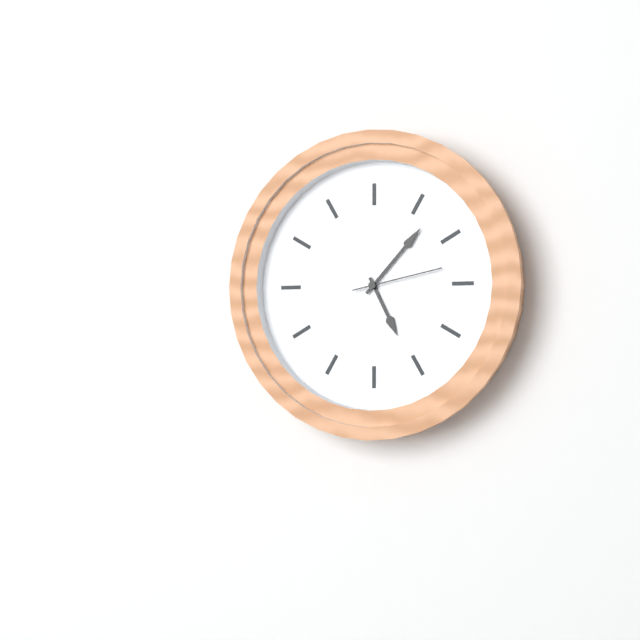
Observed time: 5:07:13
